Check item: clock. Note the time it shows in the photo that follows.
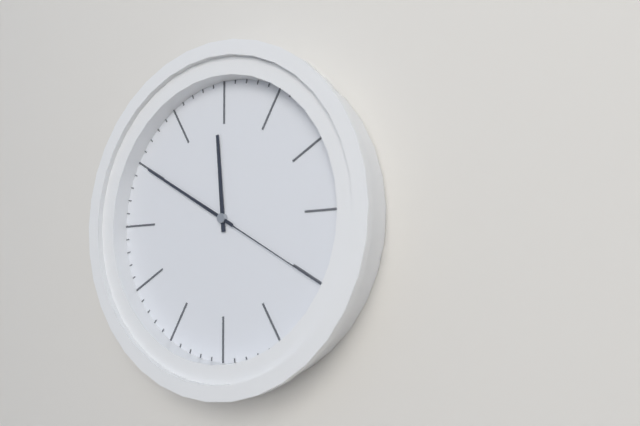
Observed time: 11:50:20
